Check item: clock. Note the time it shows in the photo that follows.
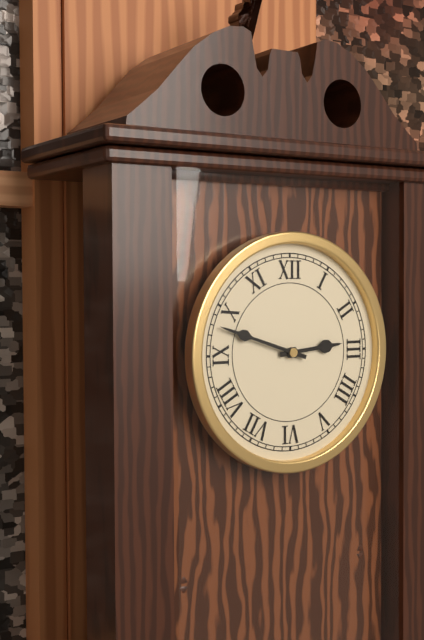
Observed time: 2:48
